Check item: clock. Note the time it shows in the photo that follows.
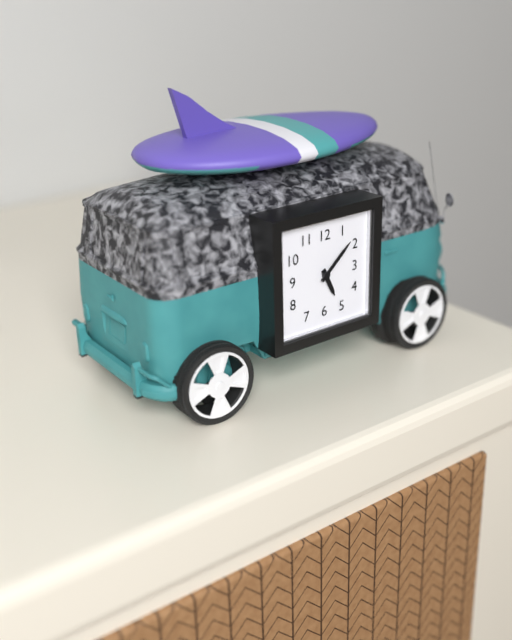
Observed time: 5:08
